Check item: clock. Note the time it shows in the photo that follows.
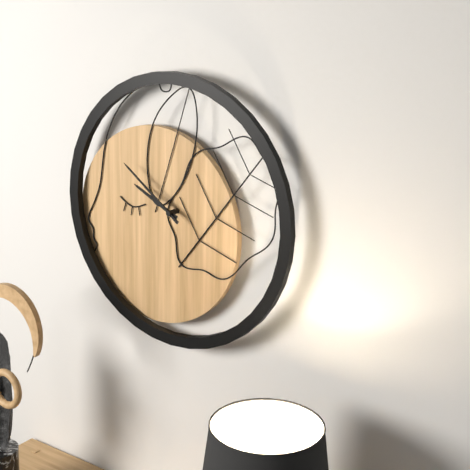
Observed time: 9:51
